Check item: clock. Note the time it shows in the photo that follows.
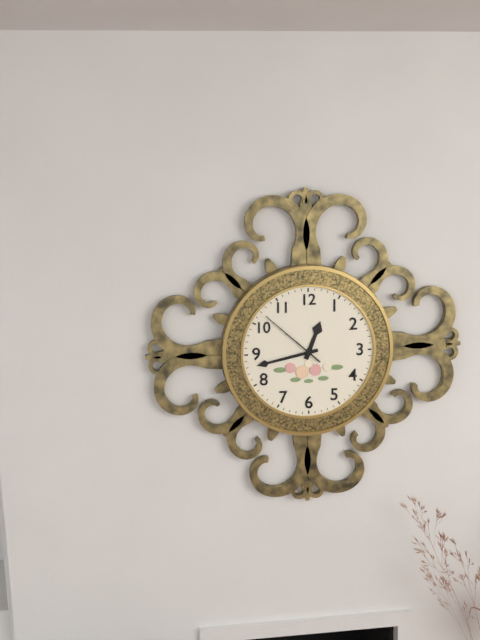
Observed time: 12:43:52
